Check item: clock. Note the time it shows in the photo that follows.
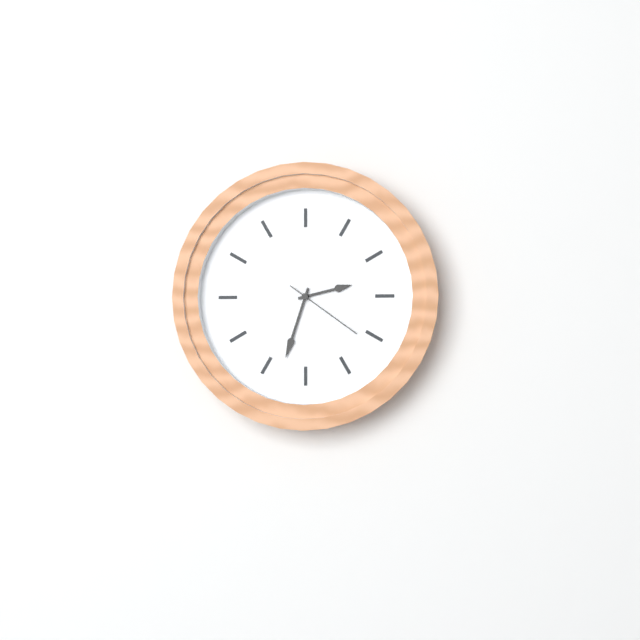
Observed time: 2:33:21
